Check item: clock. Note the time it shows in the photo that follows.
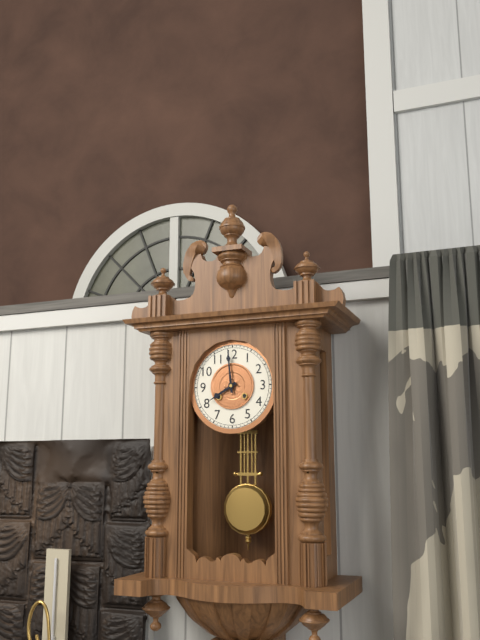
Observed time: 7:59
